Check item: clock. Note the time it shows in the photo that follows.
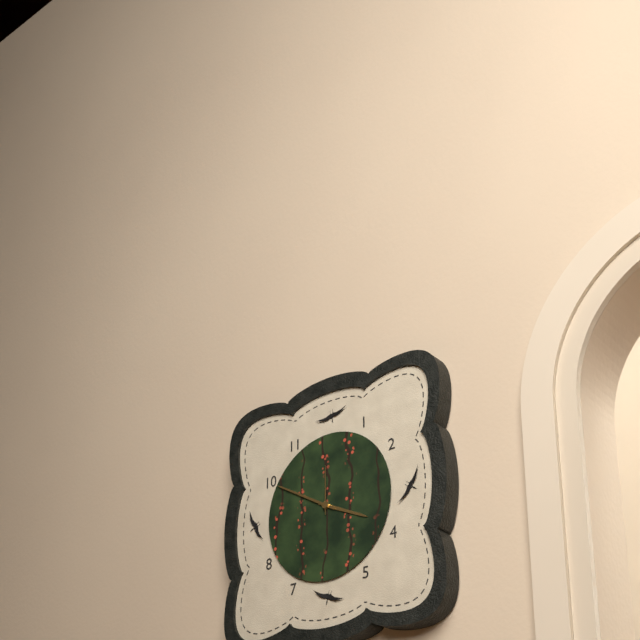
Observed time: 3:50:00
